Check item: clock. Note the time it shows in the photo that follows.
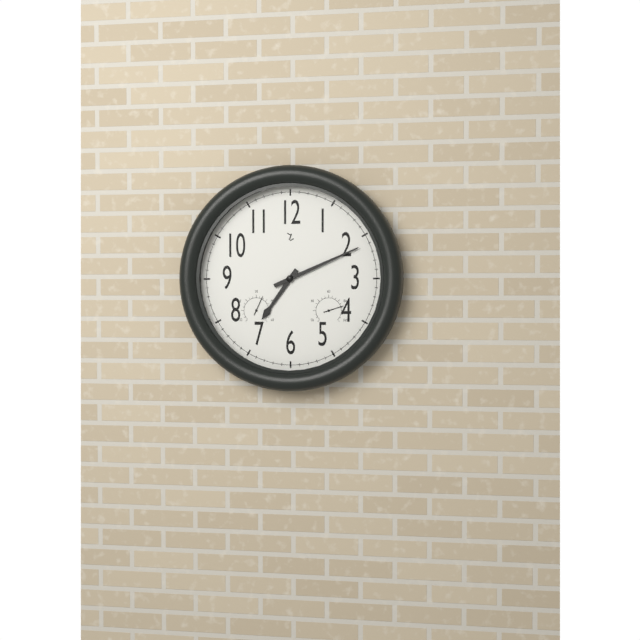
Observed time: 7:11
